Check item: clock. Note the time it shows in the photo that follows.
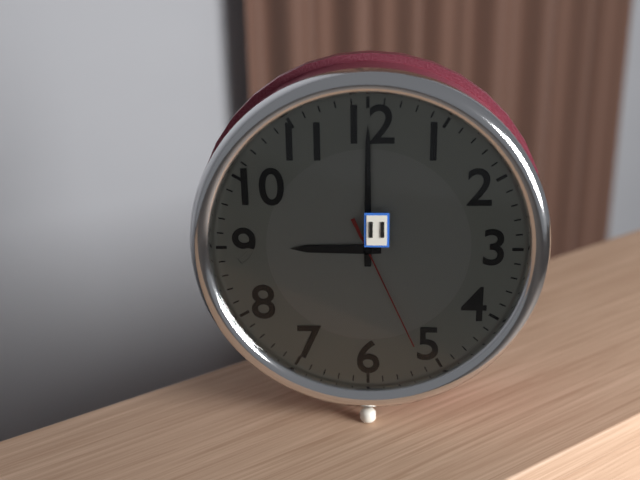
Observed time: 9:00:26
